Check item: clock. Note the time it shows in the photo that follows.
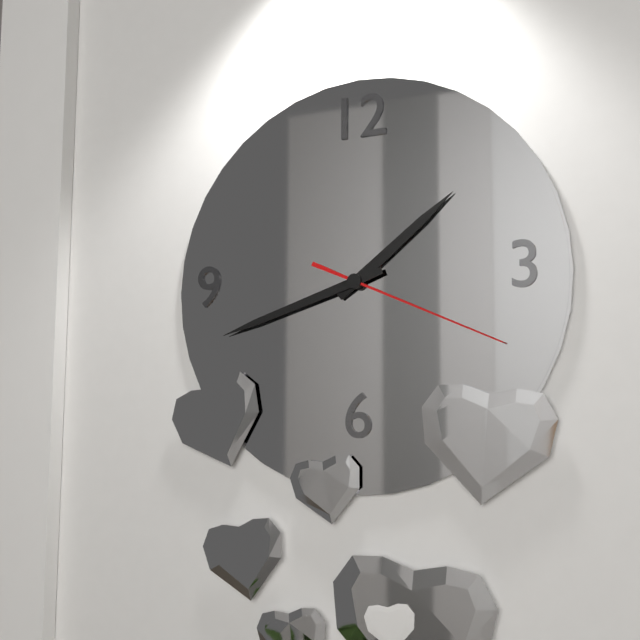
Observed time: 1:42:19
